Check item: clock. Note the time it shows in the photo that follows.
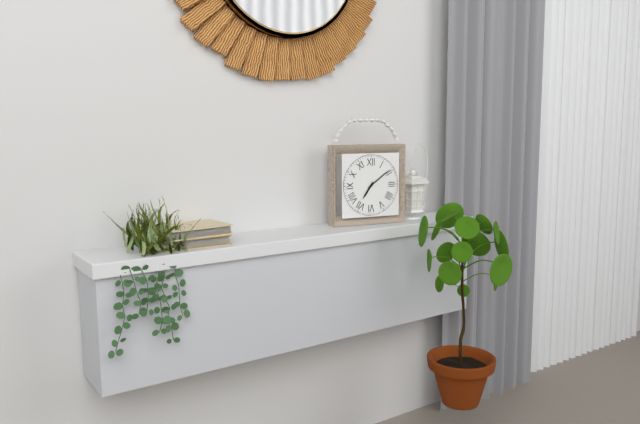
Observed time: 7:09
